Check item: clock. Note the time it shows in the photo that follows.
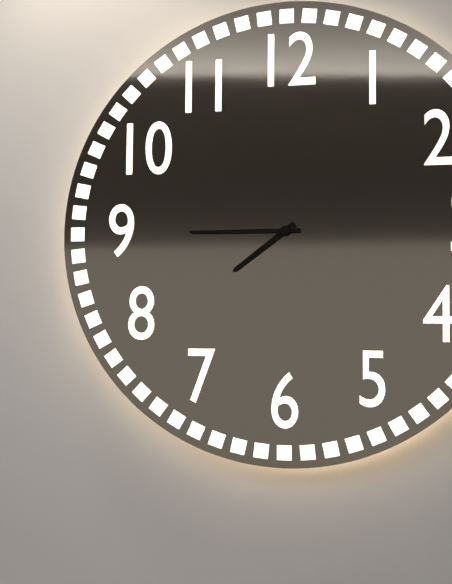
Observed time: 7:45
